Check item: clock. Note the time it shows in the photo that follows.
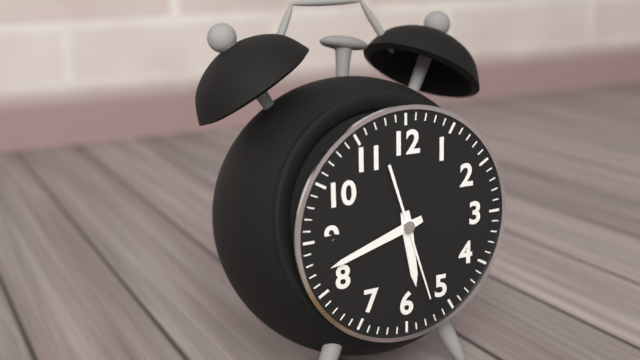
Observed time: 5:42:27
